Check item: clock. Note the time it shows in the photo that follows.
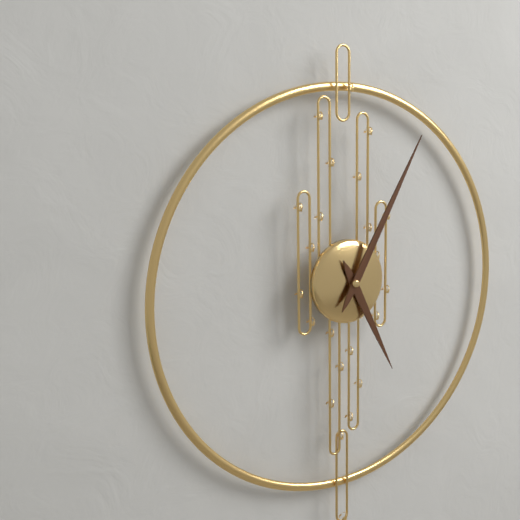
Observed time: 5:05
